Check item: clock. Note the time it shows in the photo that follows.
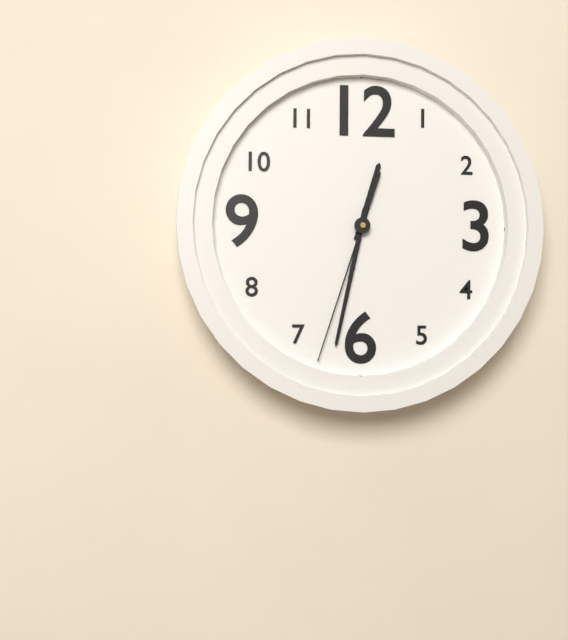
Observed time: 12:32:33
